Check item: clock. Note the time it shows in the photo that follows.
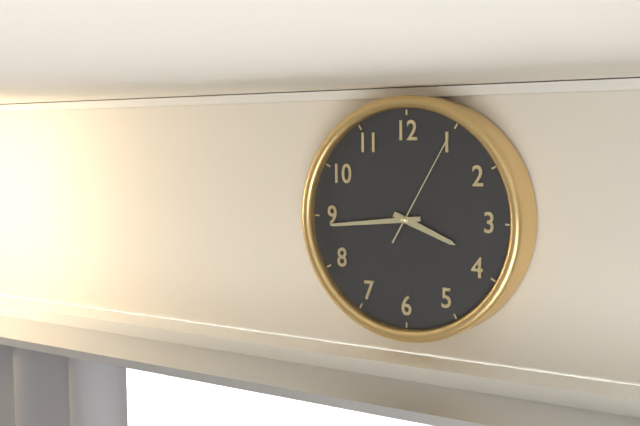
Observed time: 3:44:05
